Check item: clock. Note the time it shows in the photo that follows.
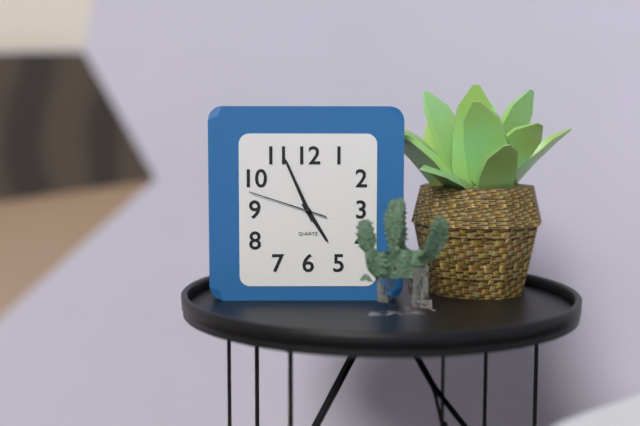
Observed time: 4:56:48
